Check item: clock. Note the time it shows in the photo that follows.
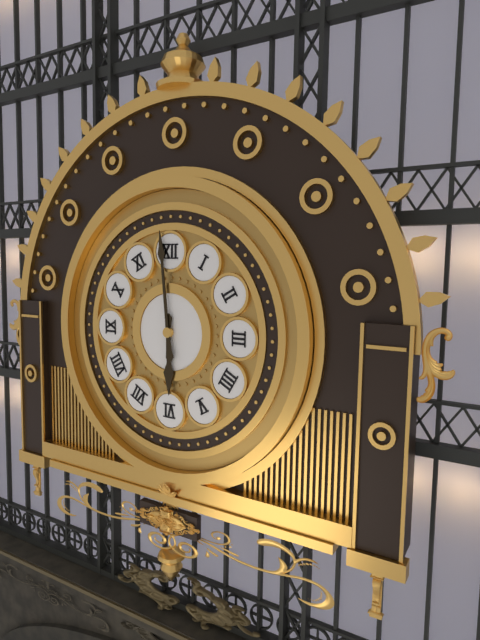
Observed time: 5:59
